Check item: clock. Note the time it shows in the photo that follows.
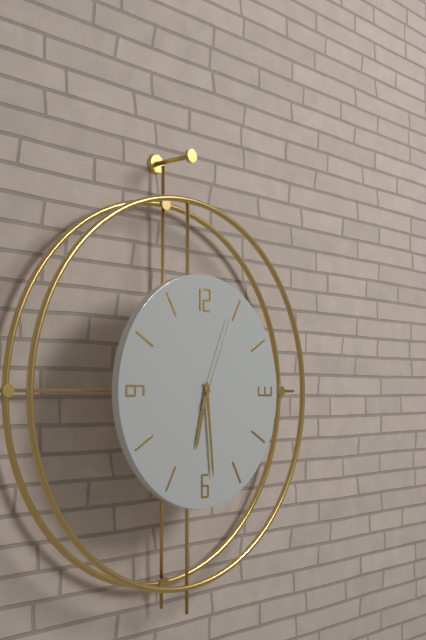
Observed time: 6:29:04
